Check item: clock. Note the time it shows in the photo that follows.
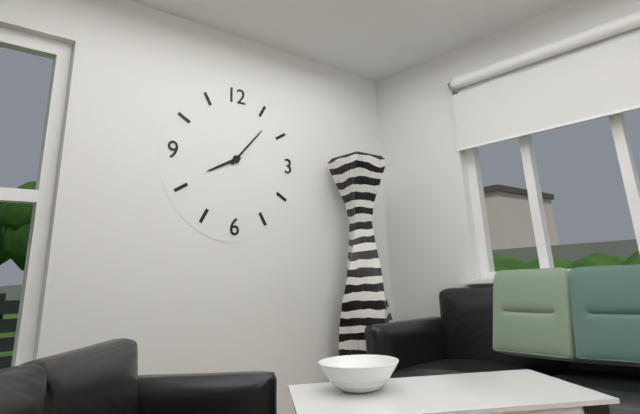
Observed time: 8:07
